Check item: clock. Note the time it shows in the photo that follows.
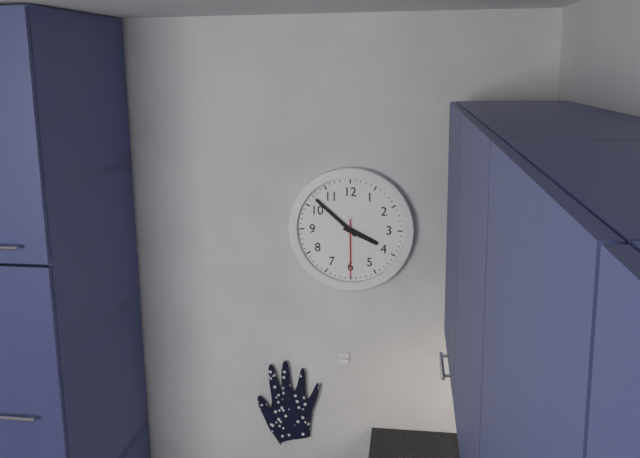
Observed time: 3:52:30
